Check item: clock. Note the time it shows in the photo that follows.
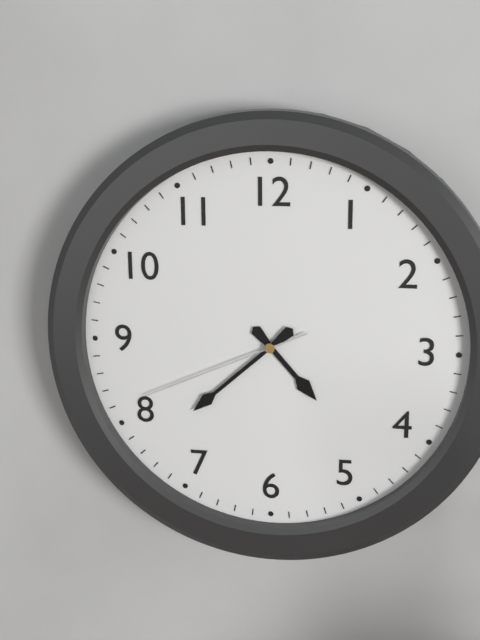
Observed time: 4:38:41
